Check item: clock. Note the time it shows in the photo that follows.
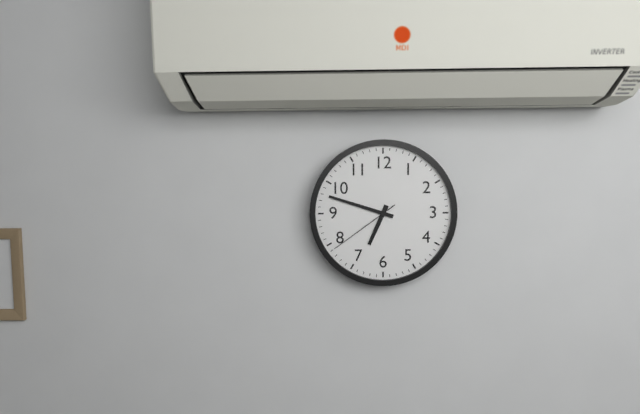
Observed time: 6:48:39
